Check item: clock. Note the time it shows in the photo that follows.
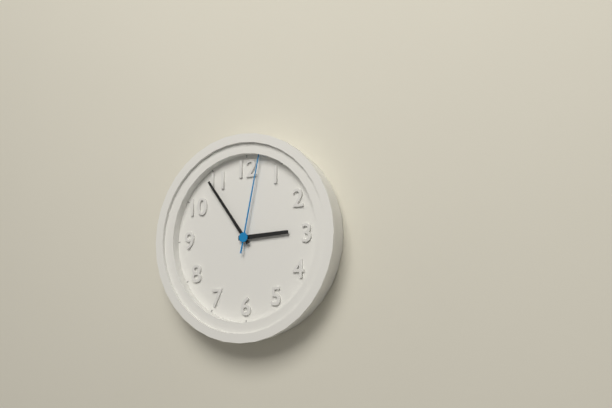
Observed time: 2:54:02
